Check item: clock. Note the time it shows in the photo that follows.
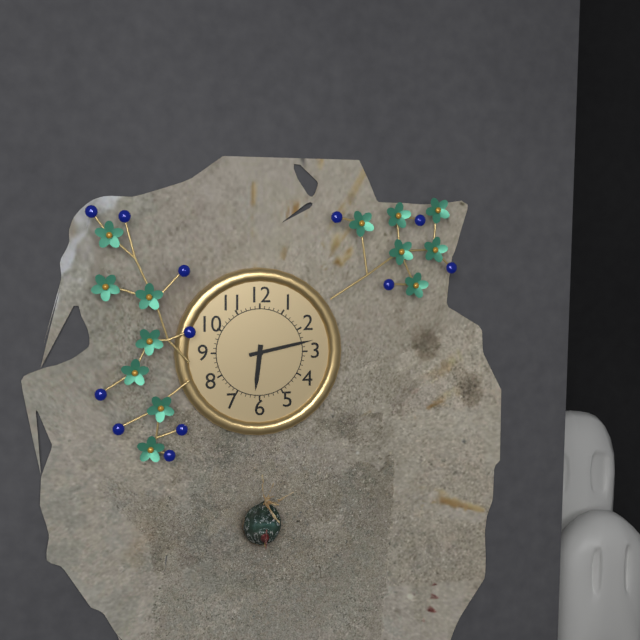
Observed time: 6:13
